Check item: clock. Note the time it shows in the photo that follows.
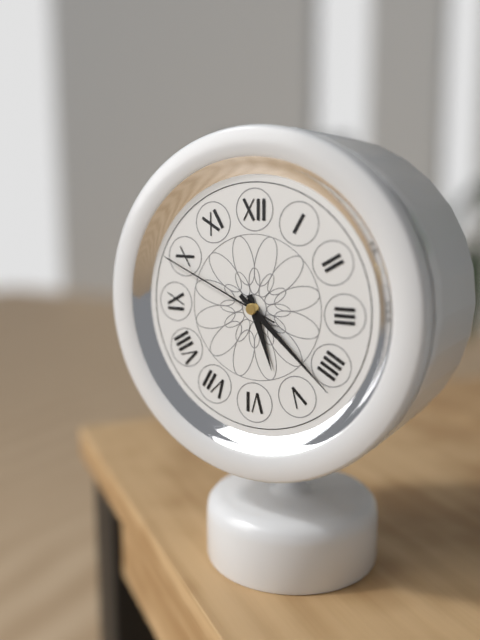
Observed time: 5:22:49
